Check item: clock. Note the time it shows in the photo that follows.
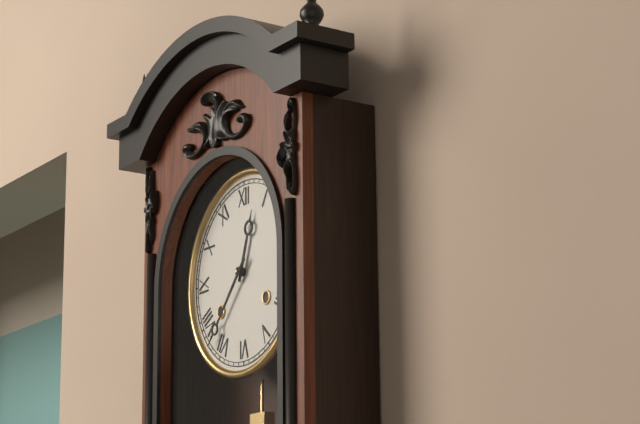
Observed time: 12:37
